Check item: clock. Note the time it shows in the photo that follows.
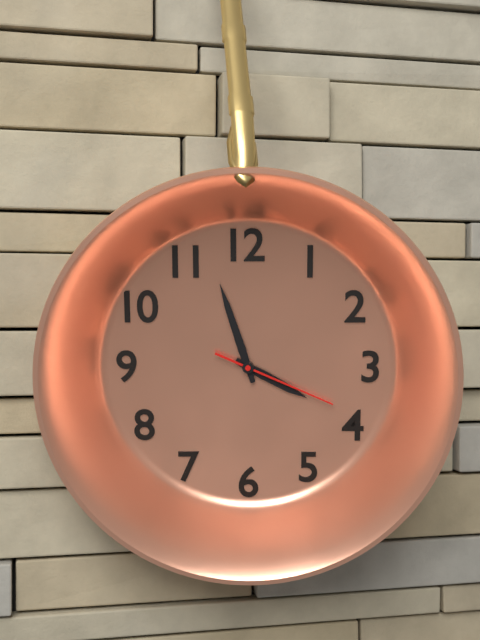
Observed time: 3:57:19
